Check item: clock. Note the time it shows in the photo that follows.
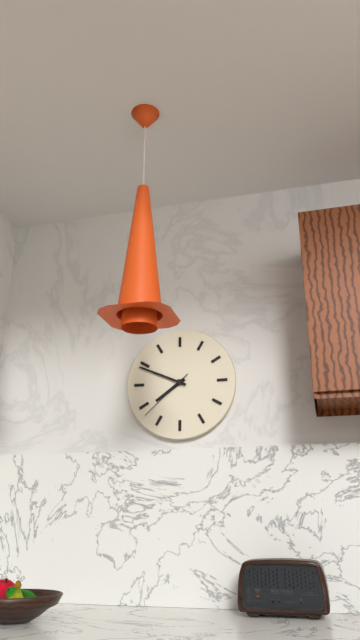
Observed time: 7:49:38
